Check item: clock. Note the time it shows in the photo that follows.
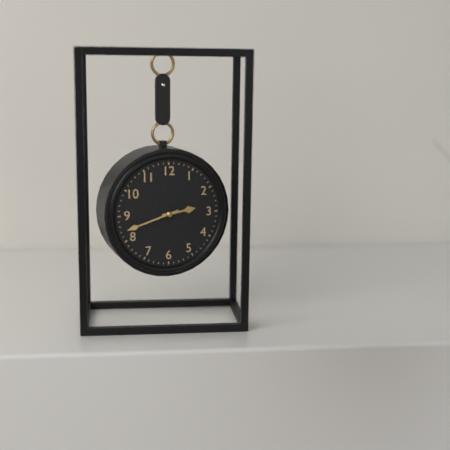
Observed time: 2:42
